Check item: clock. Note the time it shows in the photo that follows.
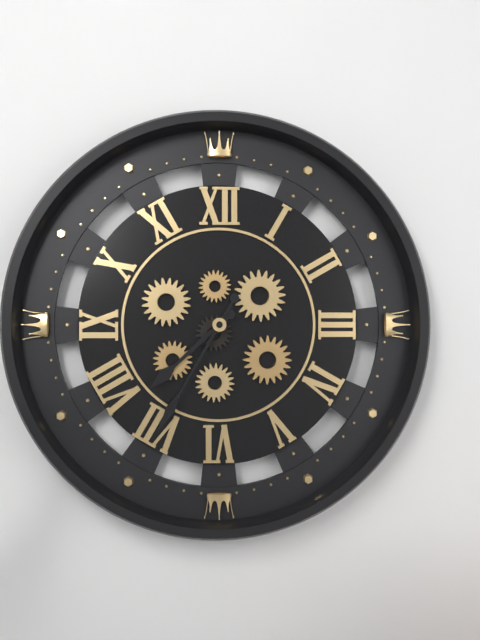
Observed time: 7:35
